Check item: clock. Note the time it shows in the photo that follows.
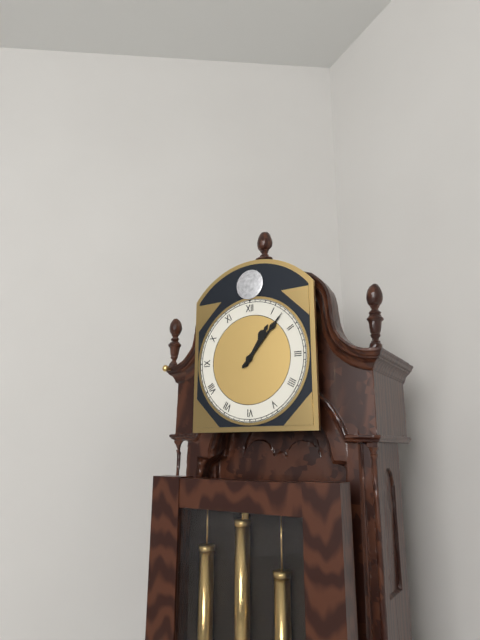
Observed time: 1:07
